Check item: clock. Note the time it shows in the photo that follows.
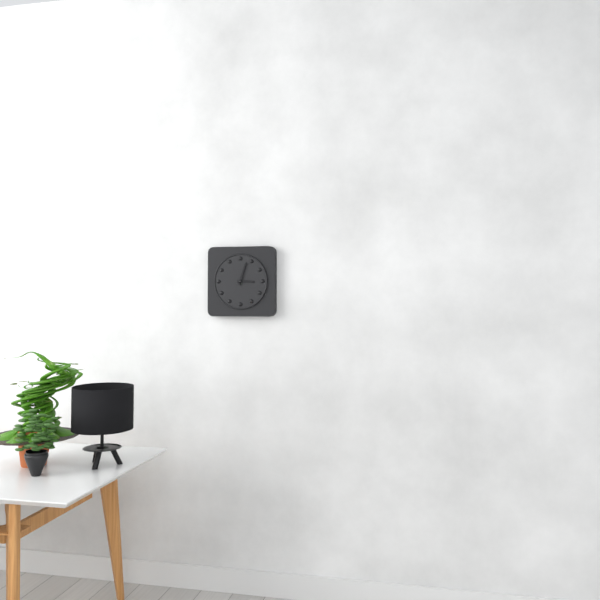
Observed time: 3:03
